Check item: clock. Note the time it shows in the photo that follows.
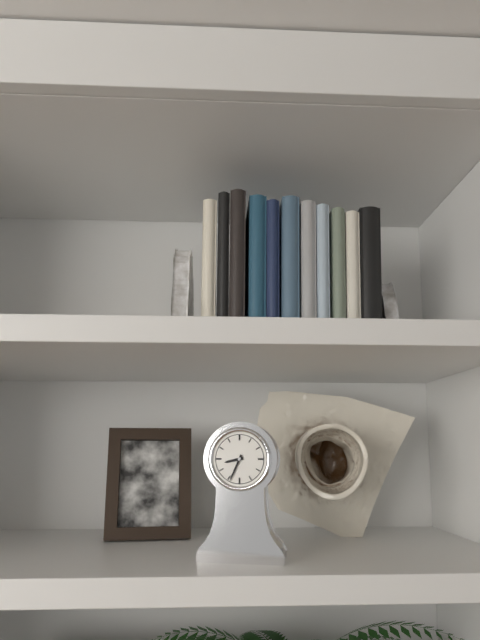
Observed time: 8:34
